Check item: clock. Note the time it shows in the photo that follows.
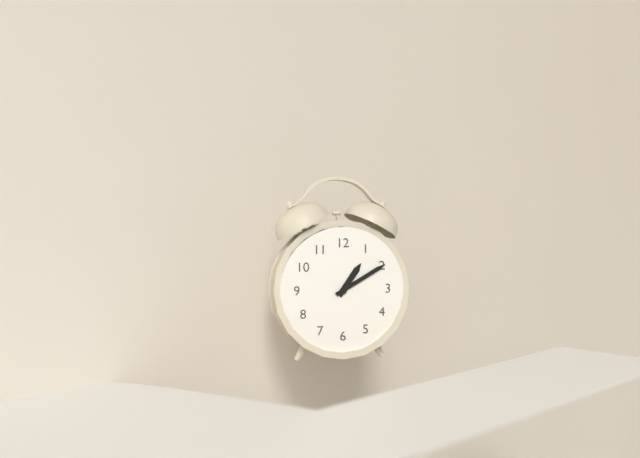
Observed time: 1:10
